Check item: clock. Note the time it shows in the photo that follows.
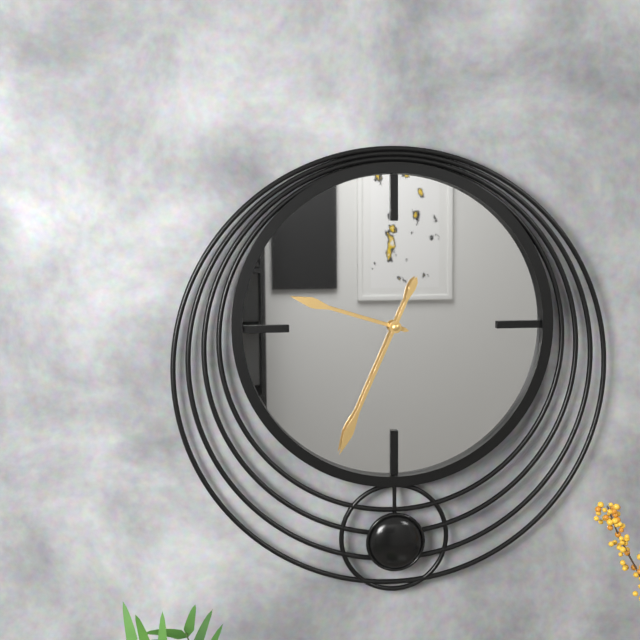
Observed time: 9:34
